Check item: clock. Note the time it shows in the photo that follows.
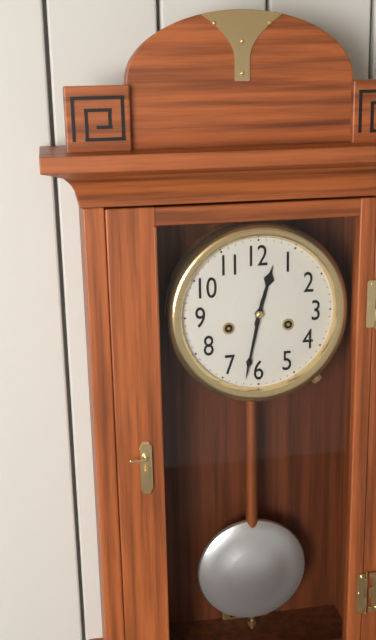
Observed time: 12:32
